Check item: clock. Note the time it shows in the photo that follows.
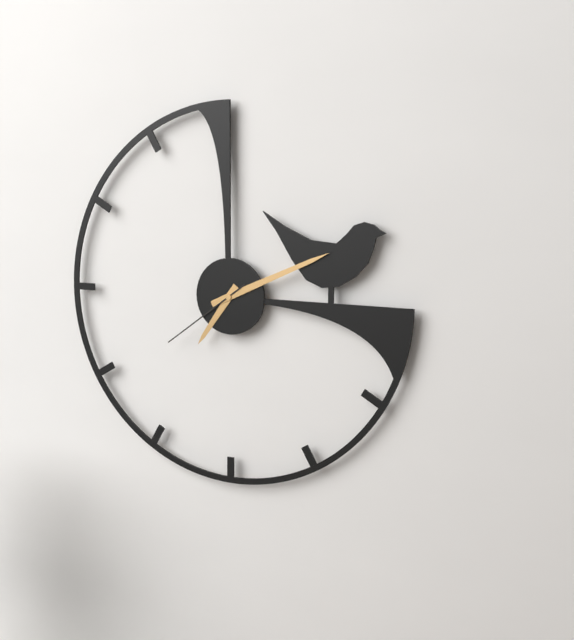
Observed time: 7:11:39
